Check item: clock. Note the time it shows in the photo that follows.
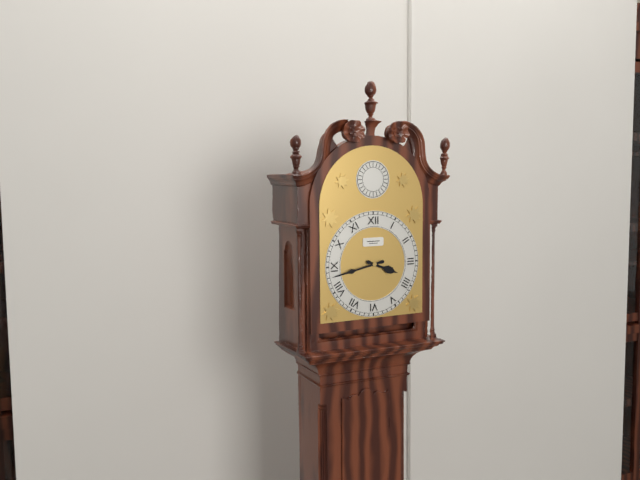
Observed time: 3:43
